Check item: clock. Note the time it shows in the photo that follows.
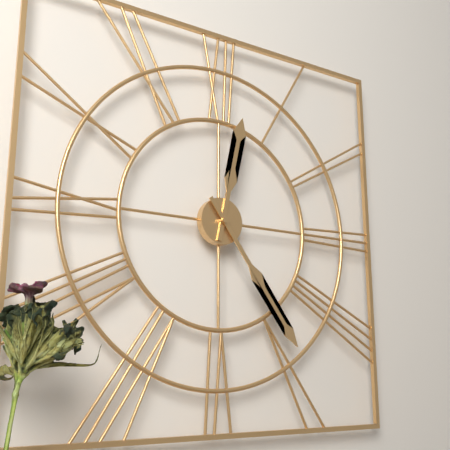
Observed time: 12:24
